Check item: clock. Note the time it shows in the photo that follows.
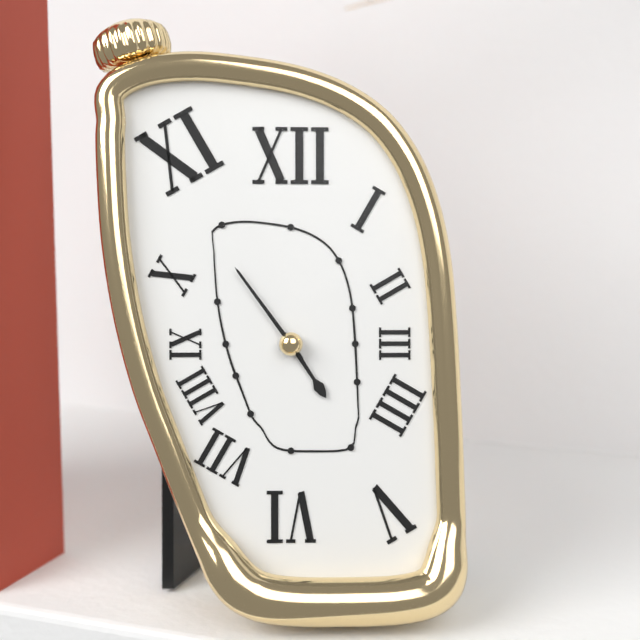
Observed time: 4:54
